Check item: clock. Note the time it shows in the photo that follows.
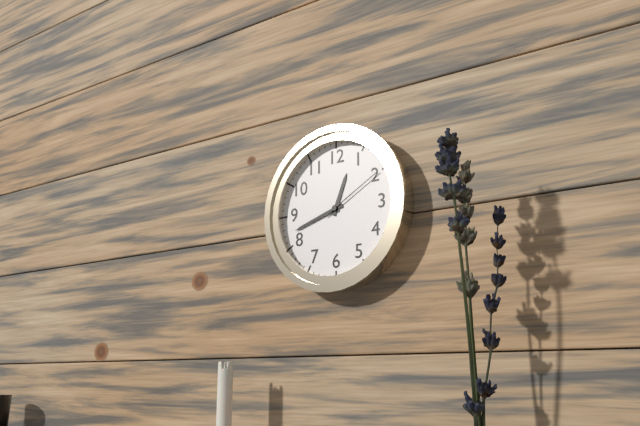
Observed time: 12:42:10
